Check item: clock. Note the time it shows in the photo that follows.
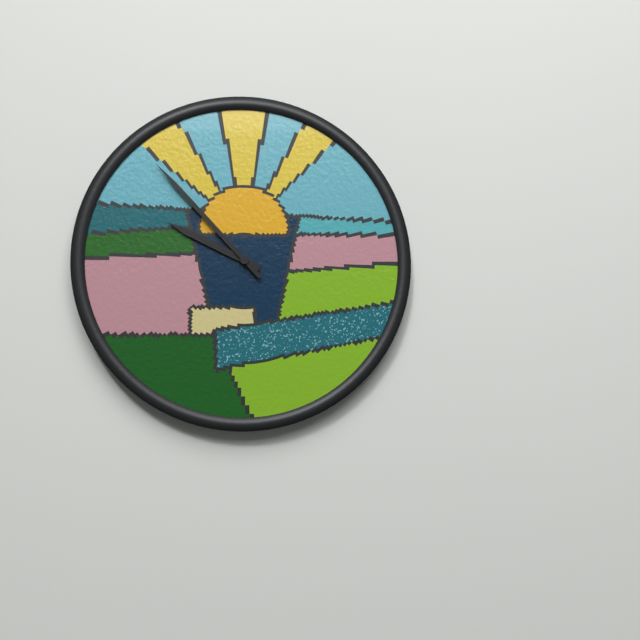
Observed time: 9:53
